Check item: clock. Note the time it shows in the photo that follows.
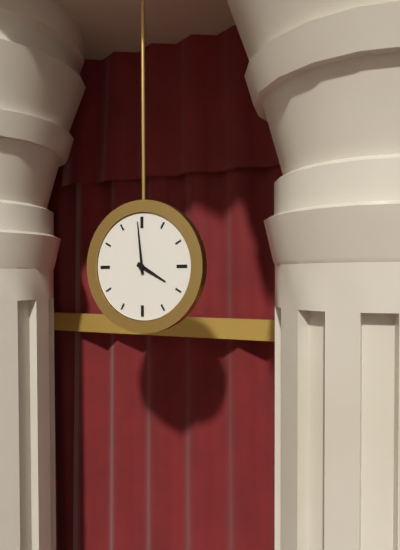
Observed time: 3:59
